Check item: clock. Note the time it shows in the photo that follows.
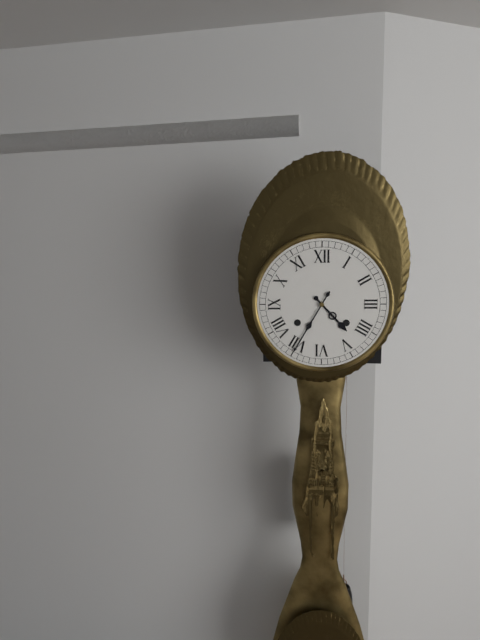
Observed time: 4:35
